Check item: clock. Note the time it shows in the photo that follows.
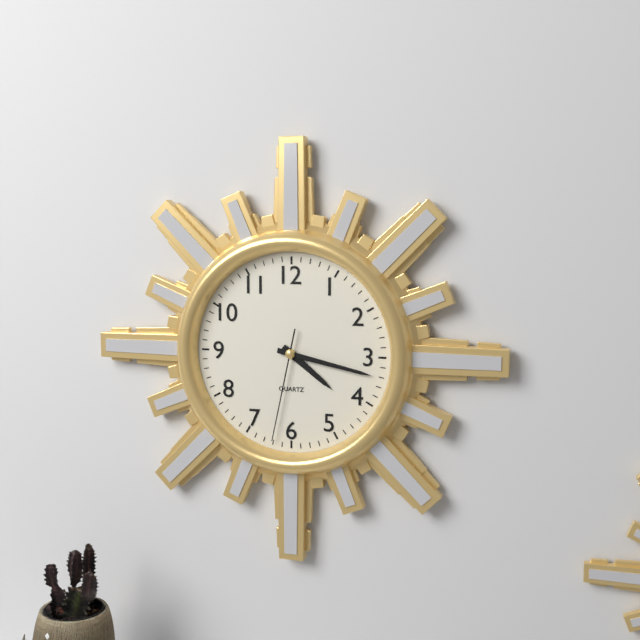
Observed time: 4:17:32
